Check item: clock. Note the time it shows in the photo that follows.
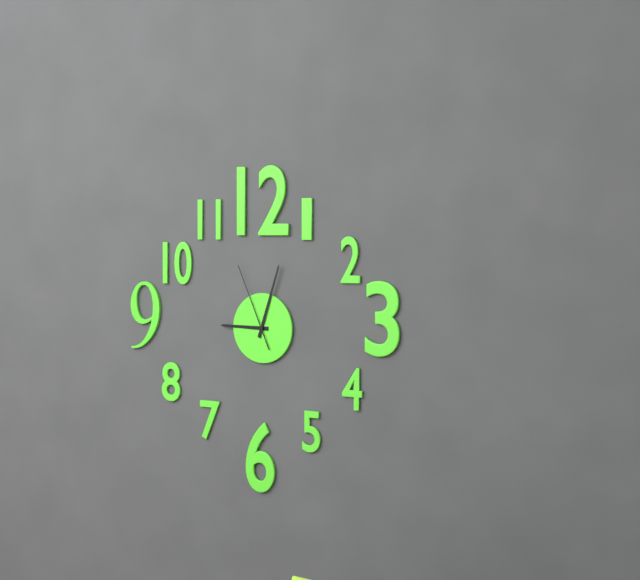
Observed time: 9:03:56
